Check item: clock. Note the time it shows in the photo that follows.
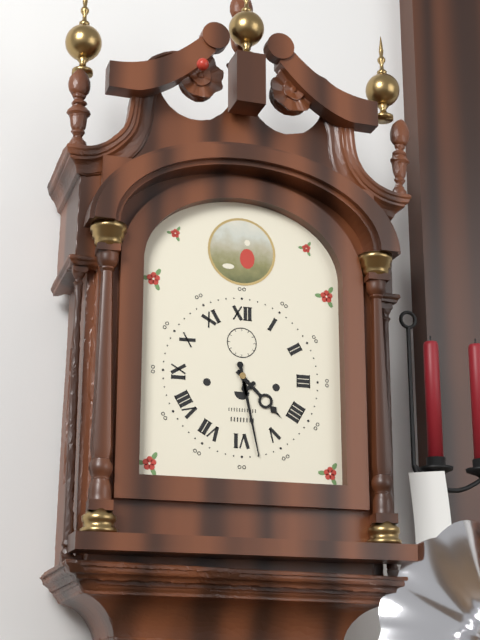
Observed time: 4:28
